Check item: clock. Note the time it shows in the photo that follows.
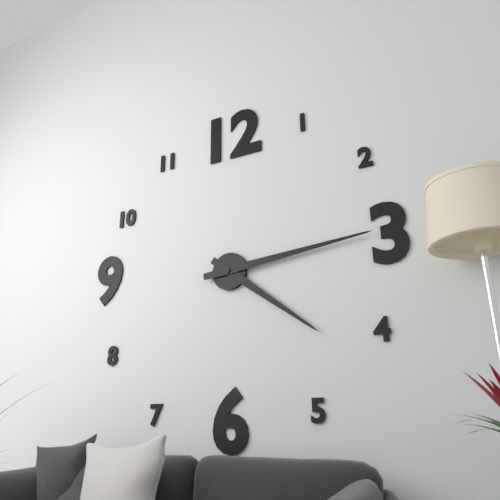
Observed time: 4:14
